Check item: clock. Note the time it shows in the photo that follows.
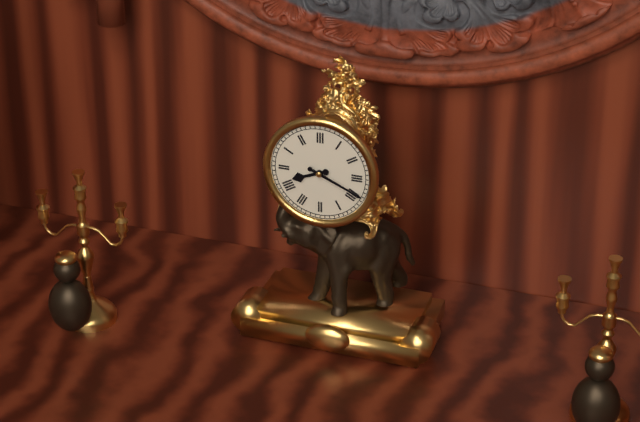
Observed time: 8:19
